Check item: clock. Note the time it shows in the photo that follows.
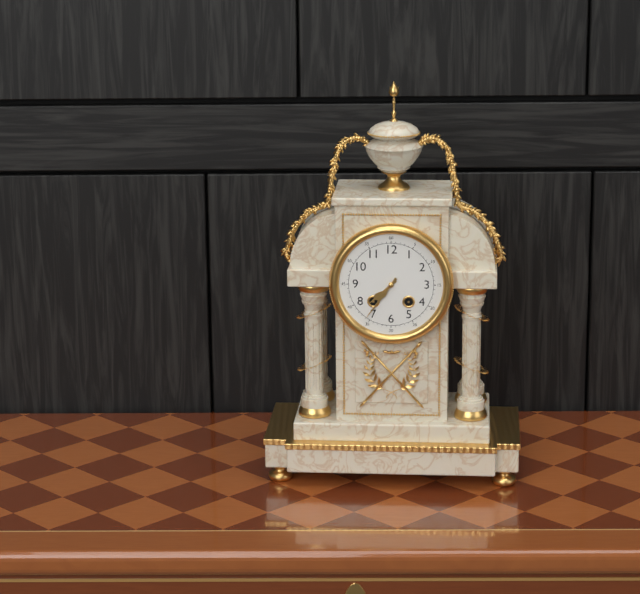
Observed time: 7:36
